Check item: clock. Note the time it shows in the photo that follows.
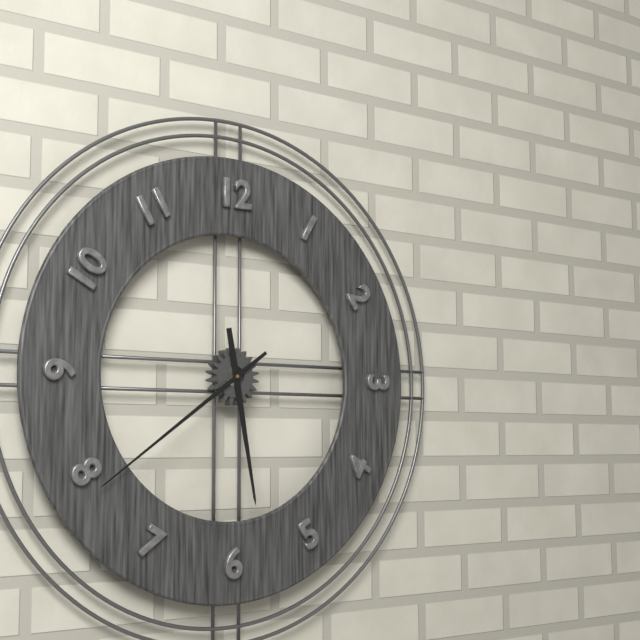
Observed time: 5:39
